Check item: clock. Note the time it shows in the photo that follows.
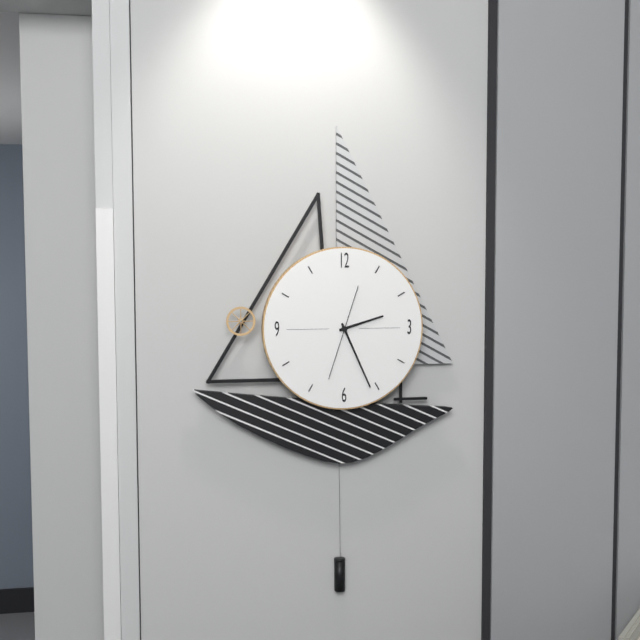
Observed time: 2:26:33
